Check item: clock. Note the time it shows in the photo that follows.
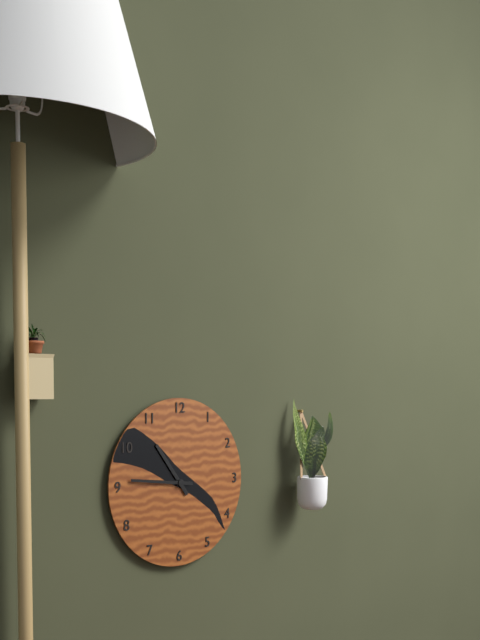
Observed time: 10:46
